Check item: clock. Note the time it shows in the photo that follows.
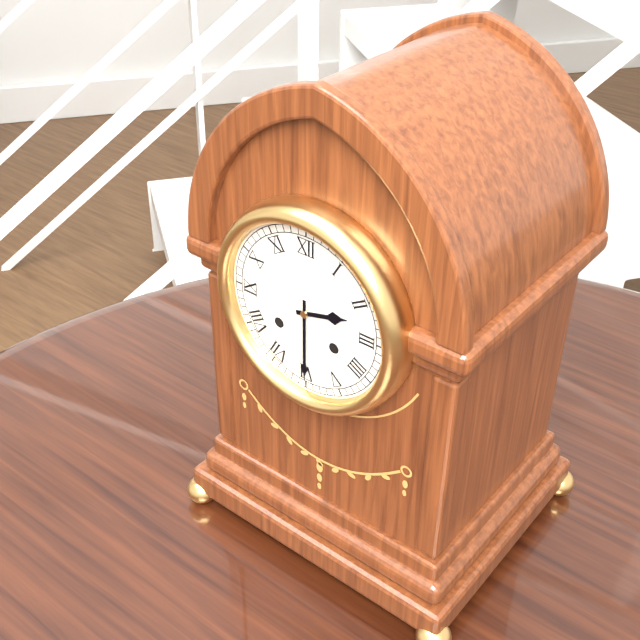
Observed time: 2:30
